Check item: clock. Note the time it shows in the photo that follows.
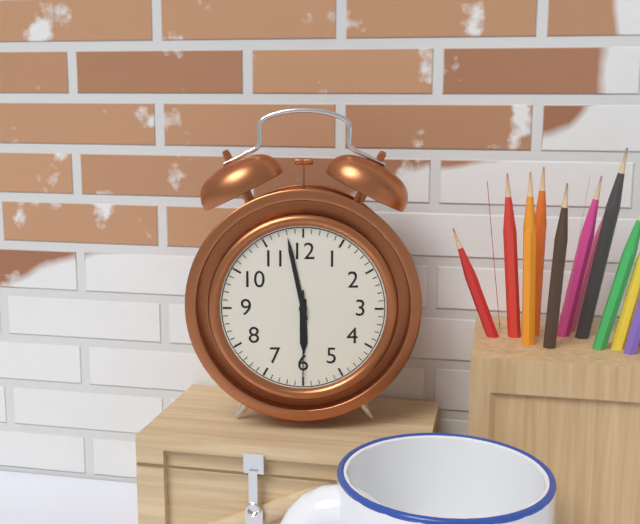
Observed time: 5:58:30
